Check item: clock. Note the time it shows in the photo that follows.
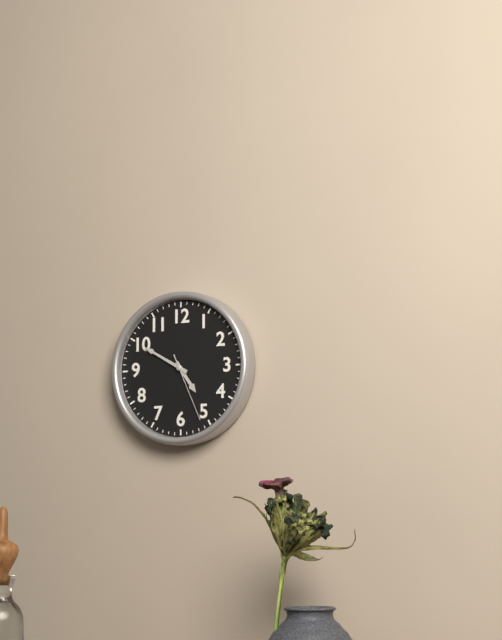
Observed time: 4:50:26
